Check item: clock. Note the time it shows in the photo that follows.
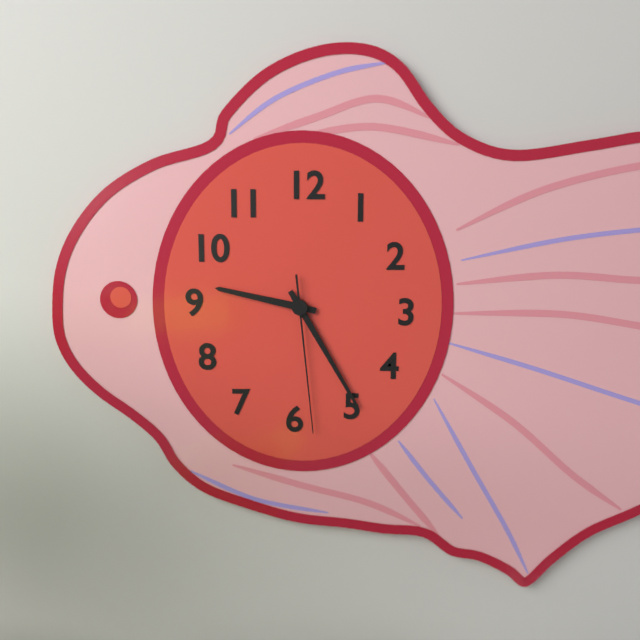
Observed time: 9:25:29
